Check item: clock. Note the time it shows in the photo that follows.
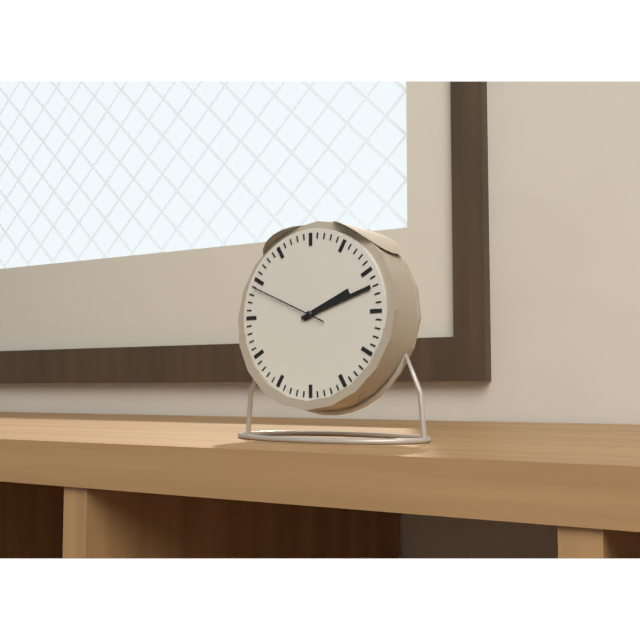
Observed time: 2:12:49
